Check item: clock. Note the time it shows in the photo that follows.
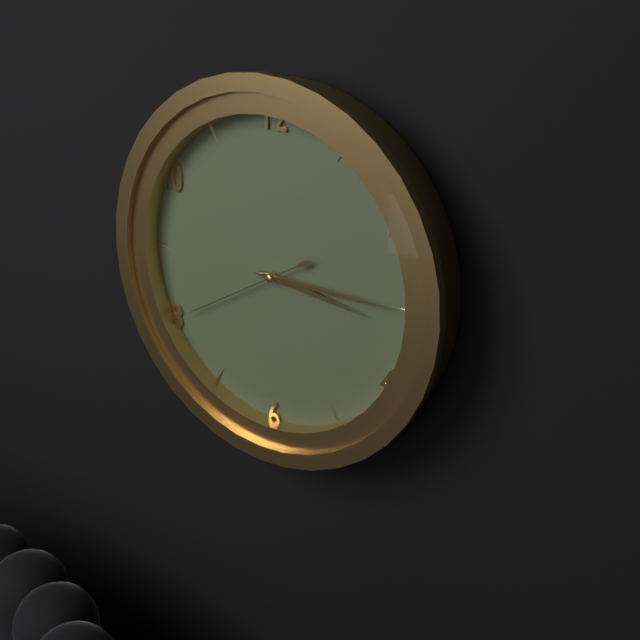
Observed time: 3:15:40
